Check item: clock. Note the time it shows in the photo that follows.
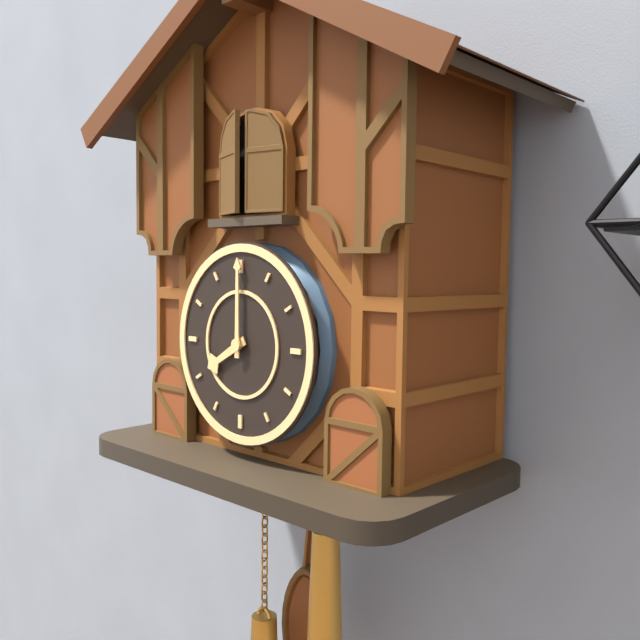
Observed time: 8:00
